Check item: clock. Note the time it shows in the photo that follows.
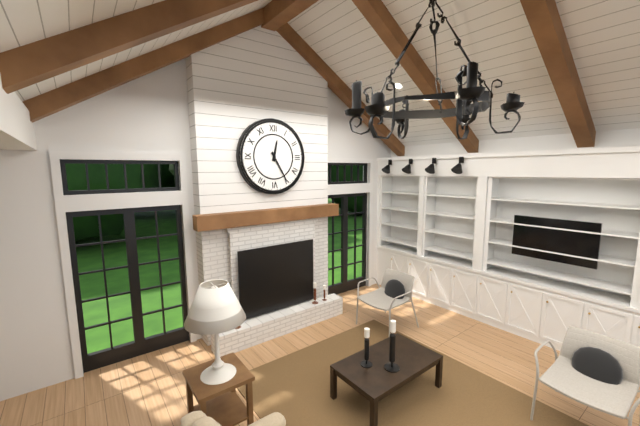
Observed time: 12:25
